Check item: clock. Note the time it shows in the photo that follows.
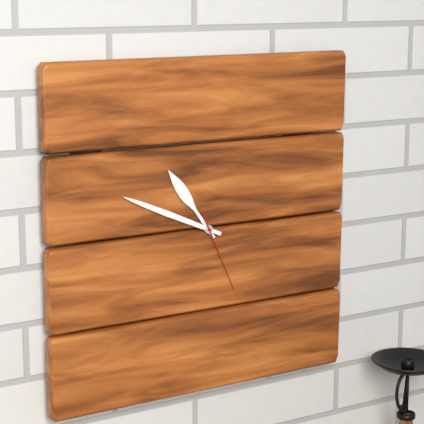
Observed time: 10:49:26
